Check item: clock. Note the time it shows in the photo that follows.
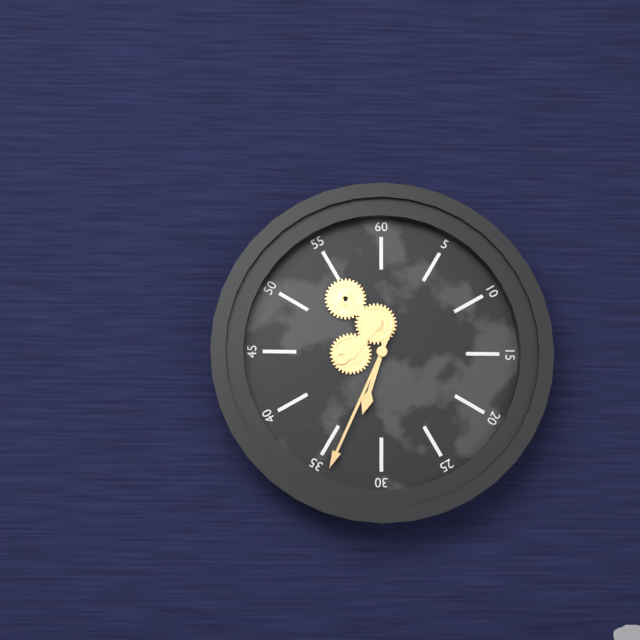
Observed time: 6:34
